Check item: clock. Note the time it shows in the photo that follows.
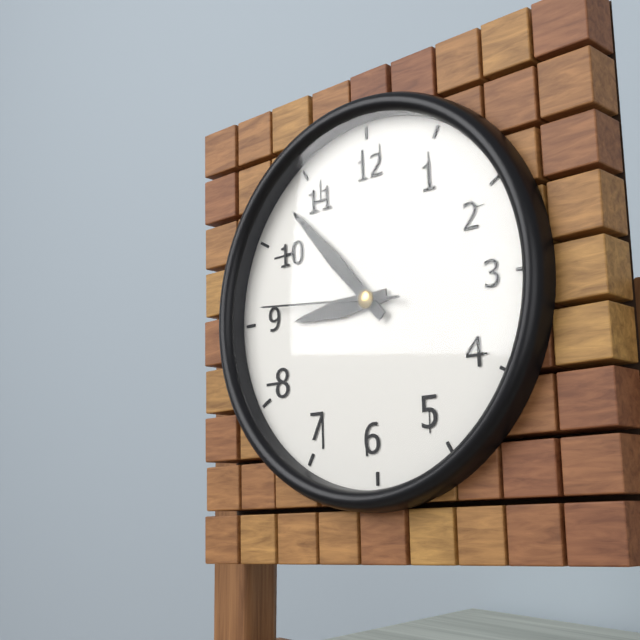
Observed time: 8:53:46
